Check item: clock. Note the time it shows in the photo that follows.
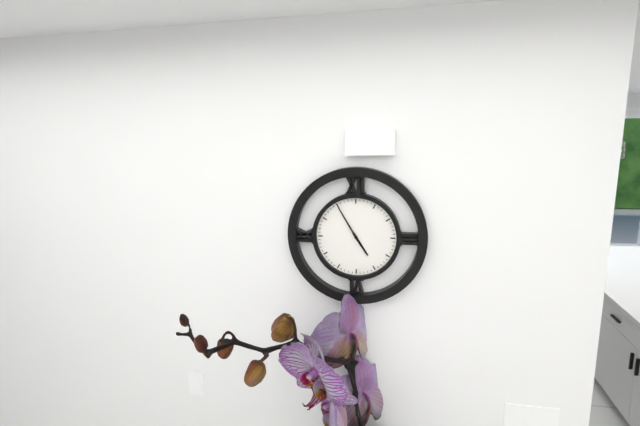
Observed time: 4:55
